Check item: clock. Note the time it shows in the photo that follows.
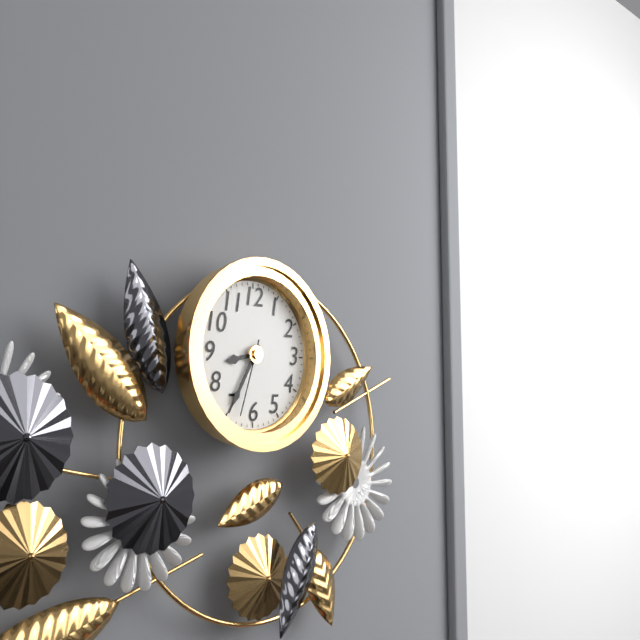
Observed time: 8:35:33
